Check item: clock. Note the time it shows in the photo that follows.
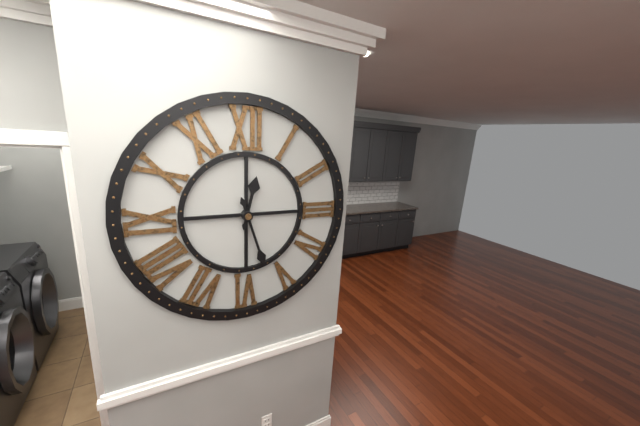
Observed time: 12:27
